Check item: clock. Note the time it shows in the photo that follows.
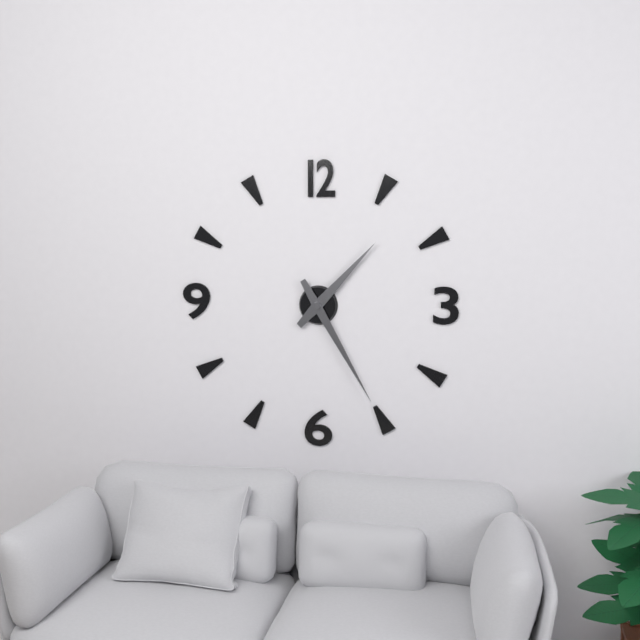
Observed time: 1:25
